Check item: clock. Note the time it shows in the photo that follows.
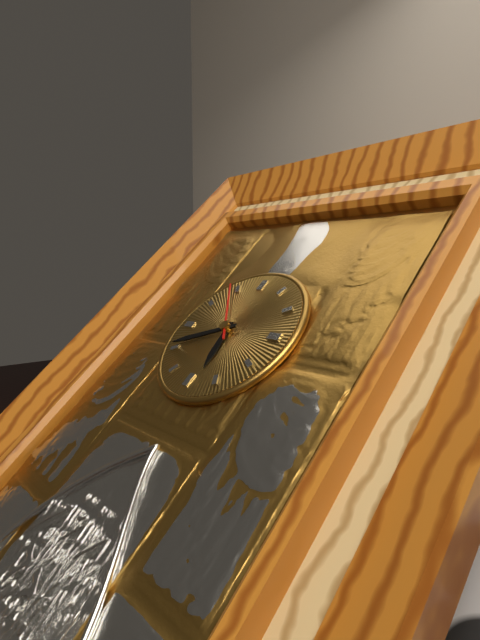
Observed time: 5:41:54
